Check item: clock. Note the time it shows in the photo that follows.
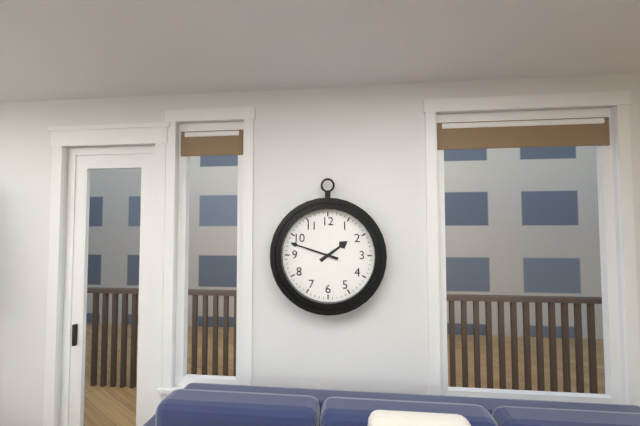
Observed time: 1:48
